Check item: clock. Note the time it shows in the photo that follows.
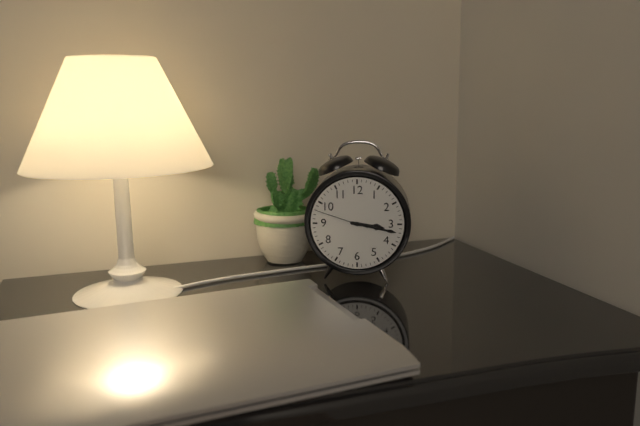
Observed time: 3:17:48
